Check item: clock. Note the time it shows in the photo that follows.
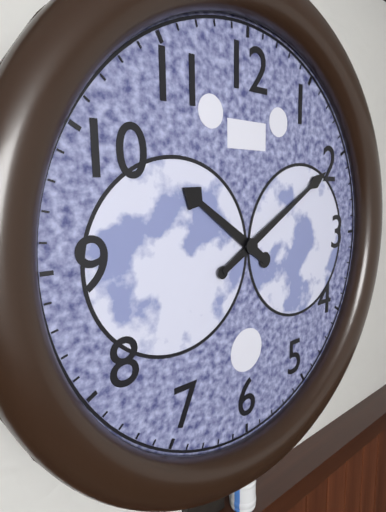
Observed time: 10:10
